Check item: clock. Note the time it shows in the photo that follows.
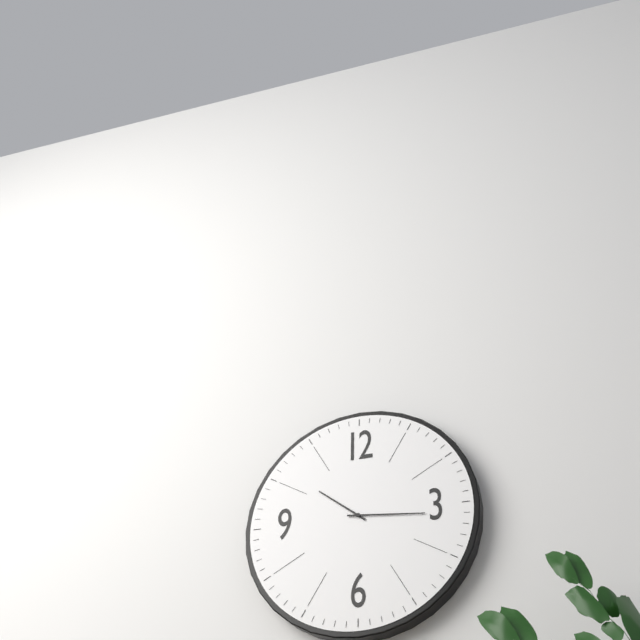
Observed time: 10:16
